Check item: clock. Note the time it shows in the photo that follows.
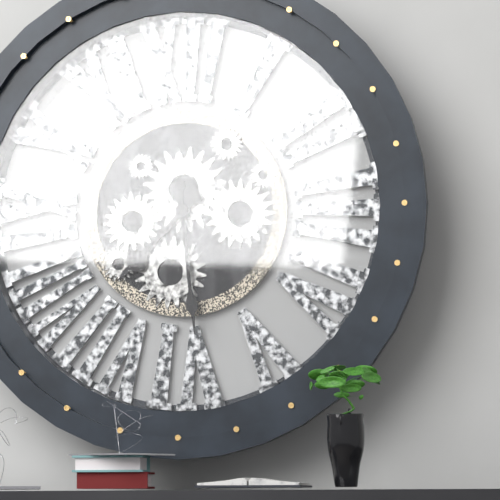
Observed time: 7:29
